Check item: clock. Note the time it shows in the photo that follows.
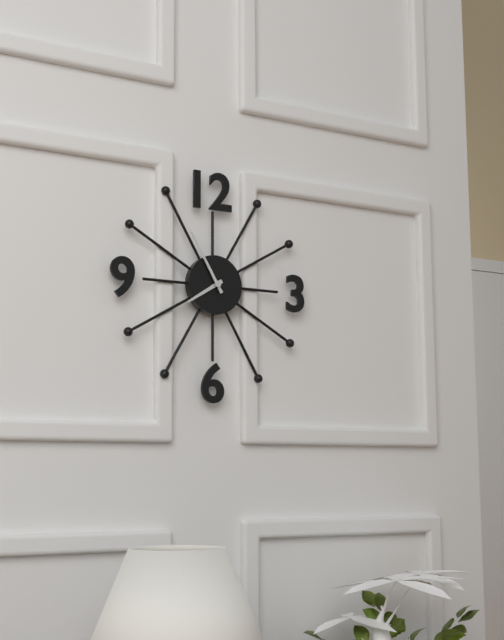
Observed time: 7:55
